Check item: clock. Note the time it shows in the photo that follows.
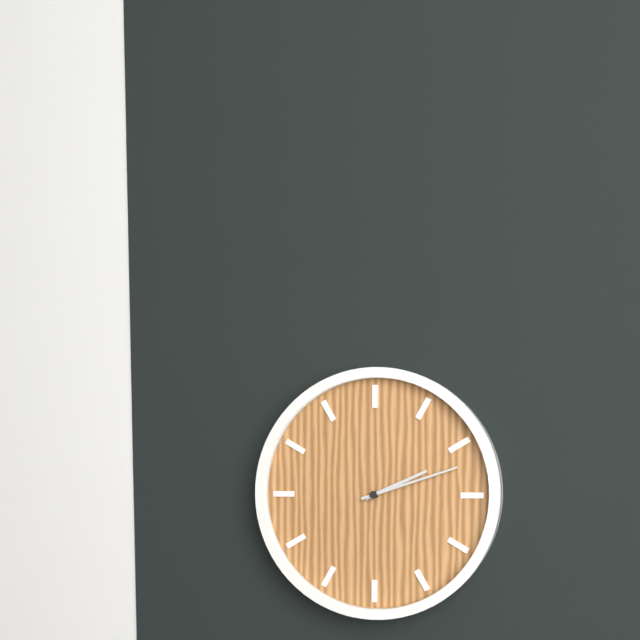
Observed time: 2:12
